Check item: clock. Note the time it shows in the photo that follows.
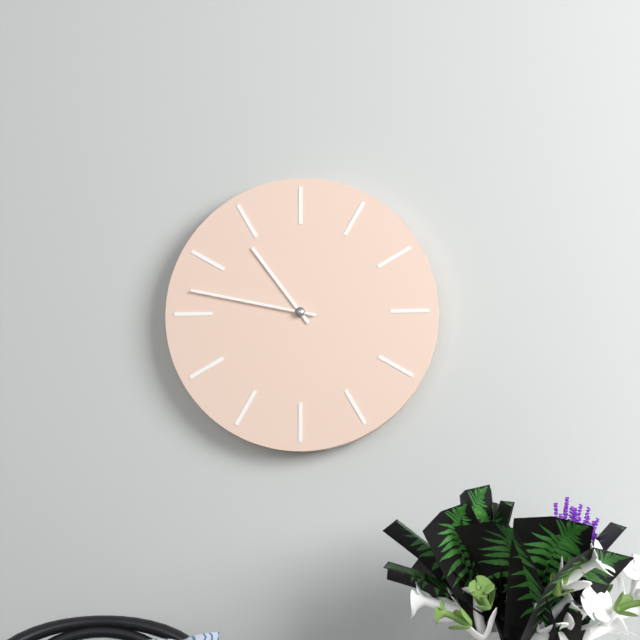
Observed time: 10:47
